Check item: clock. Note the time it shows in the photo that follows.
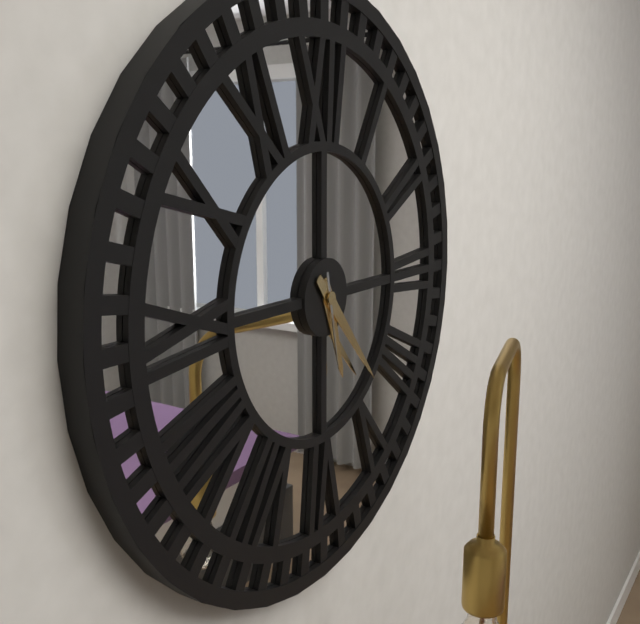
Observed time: 5:23:28
